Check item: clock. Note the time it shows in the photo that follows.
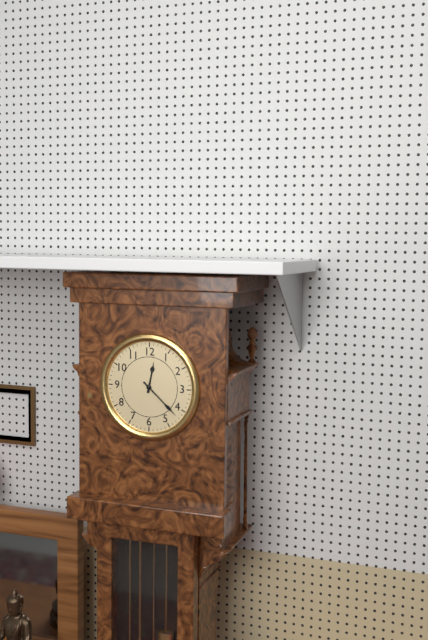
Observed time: 12:22
